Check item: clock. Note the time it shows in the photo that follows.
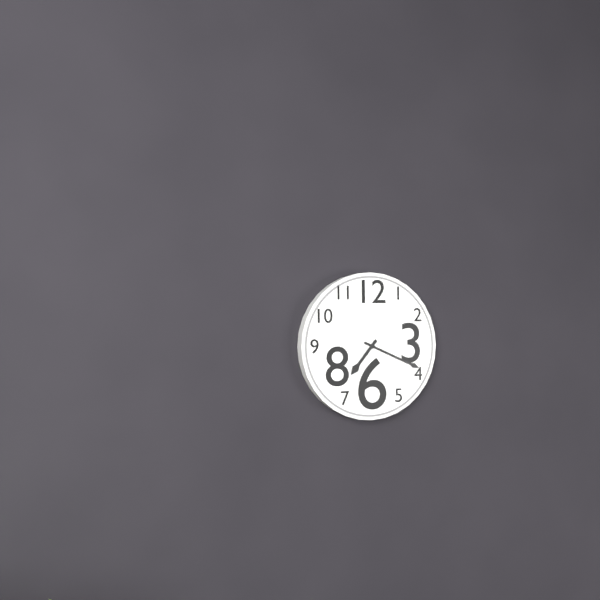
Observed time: 7:19
